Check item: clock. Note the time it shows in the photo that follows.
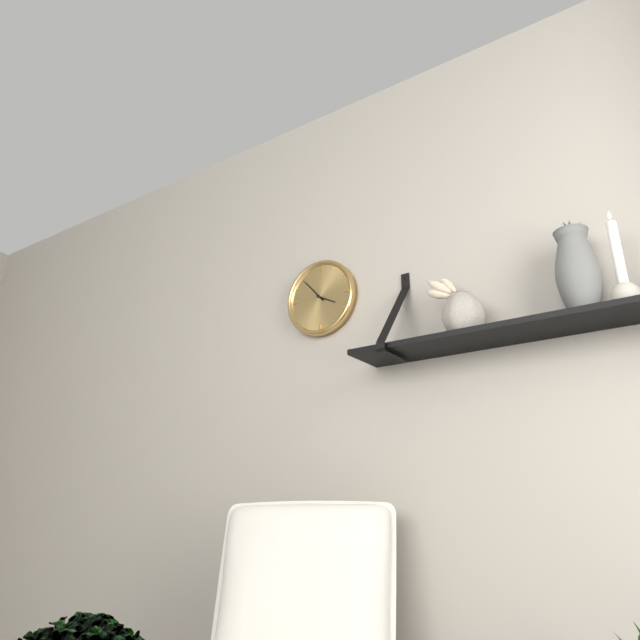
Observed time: 3:53
